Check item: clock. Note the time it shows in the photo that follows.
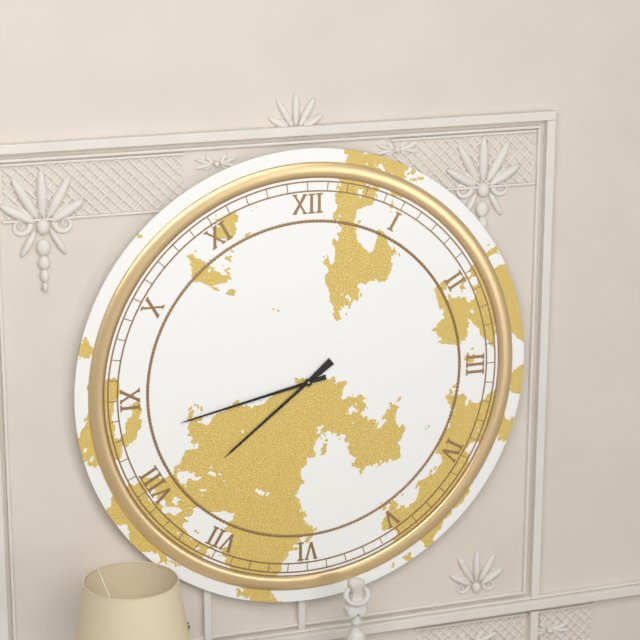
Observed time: 7:43
